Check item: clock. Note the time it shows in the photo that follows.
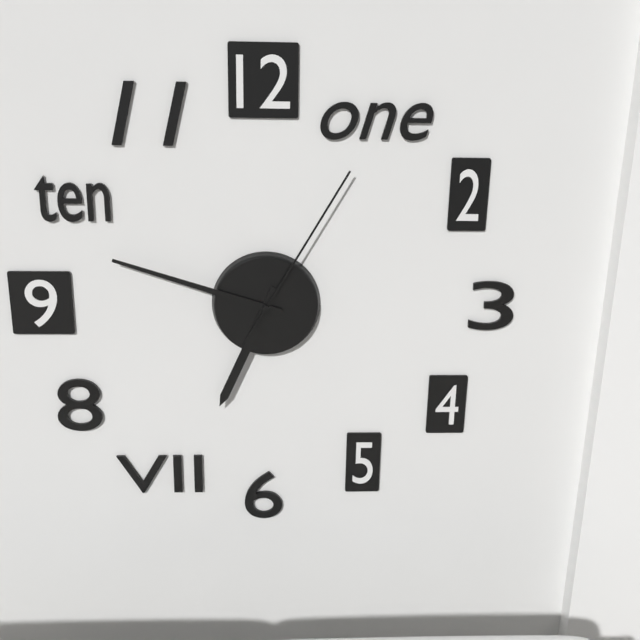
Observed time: 6:48:05
